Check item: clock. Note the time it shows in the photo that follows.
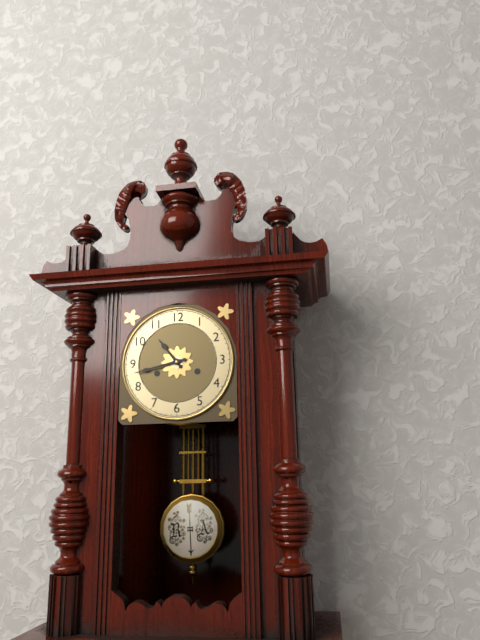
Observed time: 10:43
